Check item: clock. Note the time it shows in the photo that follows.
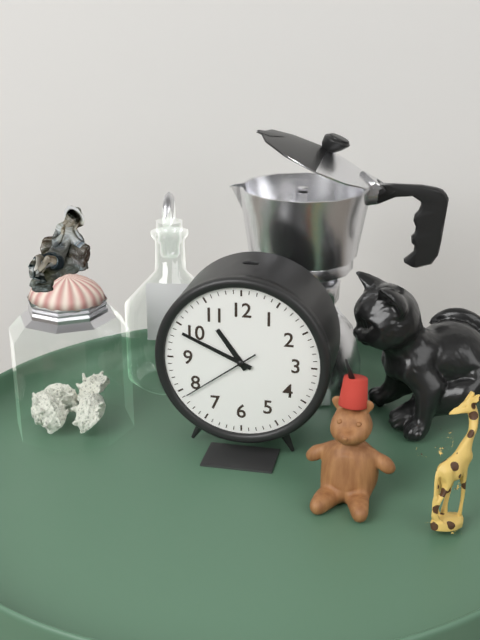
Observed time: 10:49:39
